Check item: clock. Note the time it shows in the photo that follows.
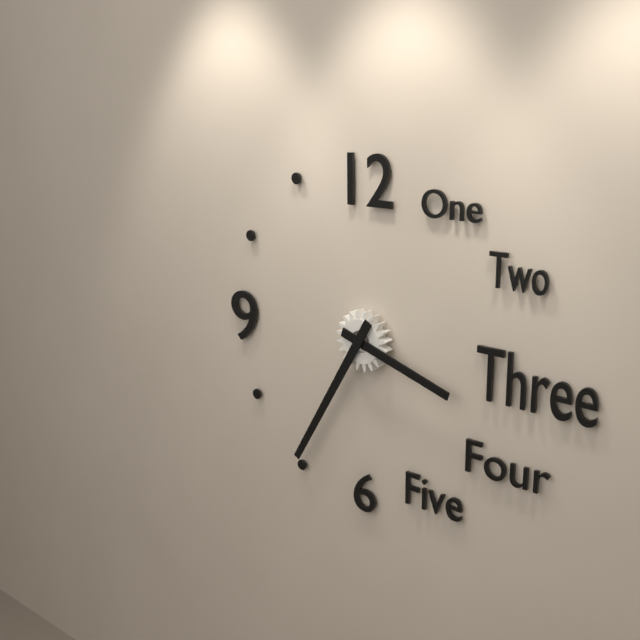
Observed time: 3:35
